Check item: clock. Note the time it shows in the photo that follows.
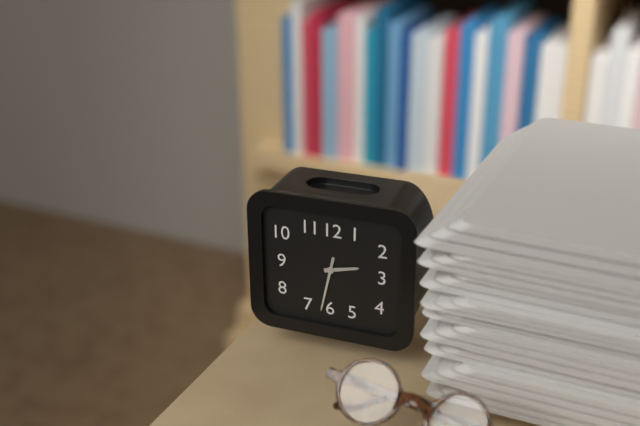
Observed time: 2:32
